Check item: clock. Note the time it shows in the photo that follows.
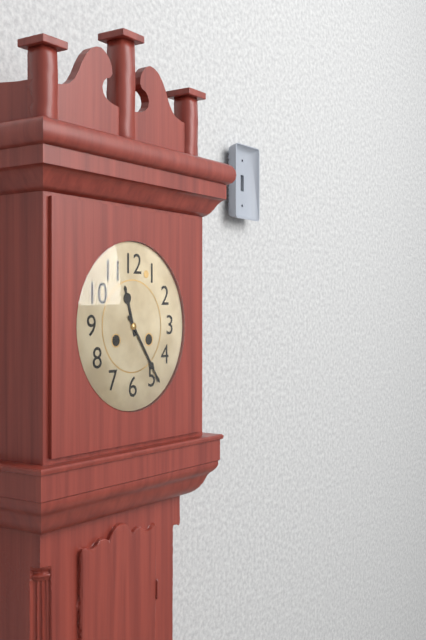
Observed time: 11:24
